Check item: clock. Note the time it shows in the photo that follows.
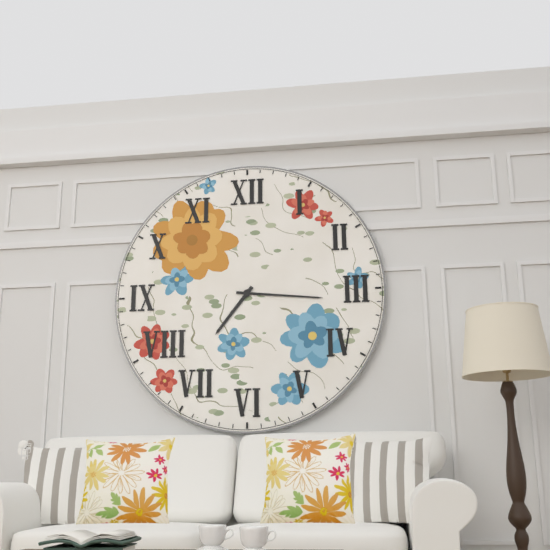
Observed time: 7:16
